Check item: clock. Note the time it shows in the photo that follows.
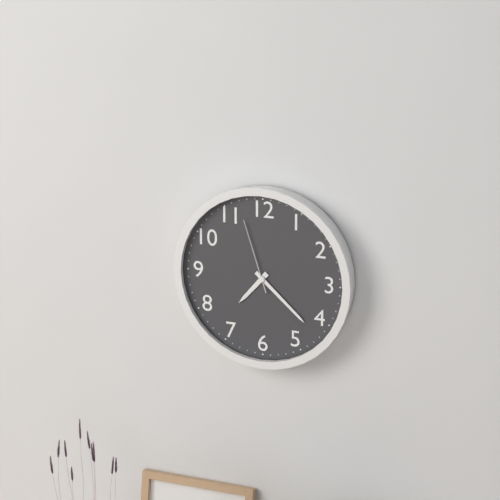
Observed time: 7:22:57
